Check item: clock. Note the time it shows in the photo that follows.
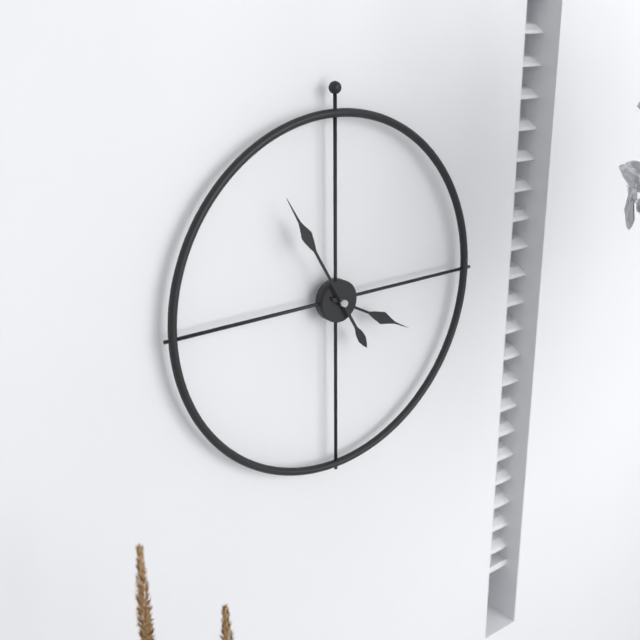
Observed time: 3:55
